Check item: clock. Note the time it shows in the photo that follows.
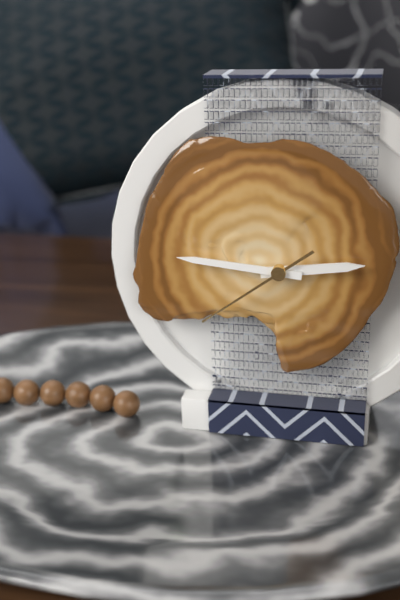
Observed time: 2:46:39
